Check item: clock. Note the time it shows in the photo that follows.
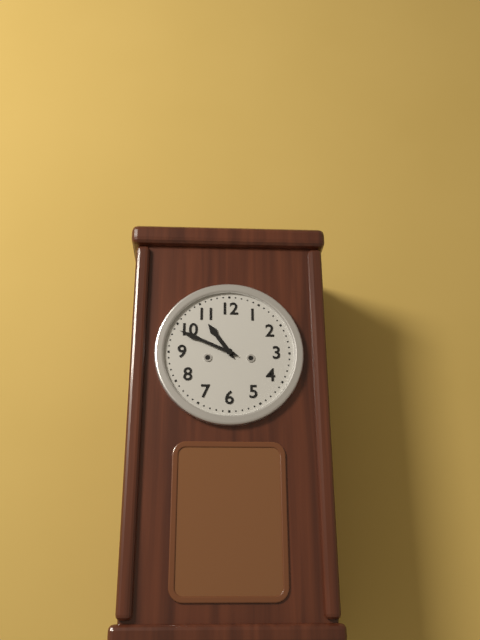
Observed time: 10:49
